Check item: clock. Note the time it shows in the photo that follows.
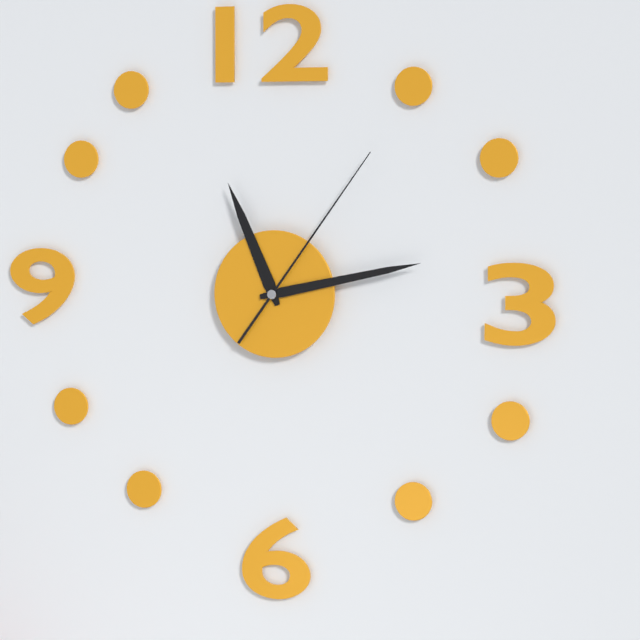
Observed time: 11:13:06
